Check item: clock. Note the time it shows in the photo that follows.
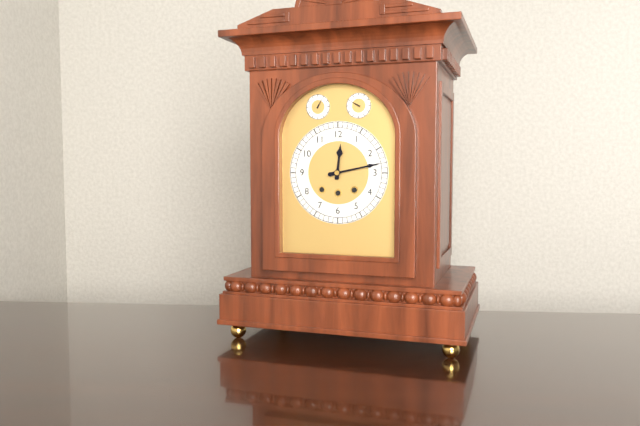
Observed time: 12:13
